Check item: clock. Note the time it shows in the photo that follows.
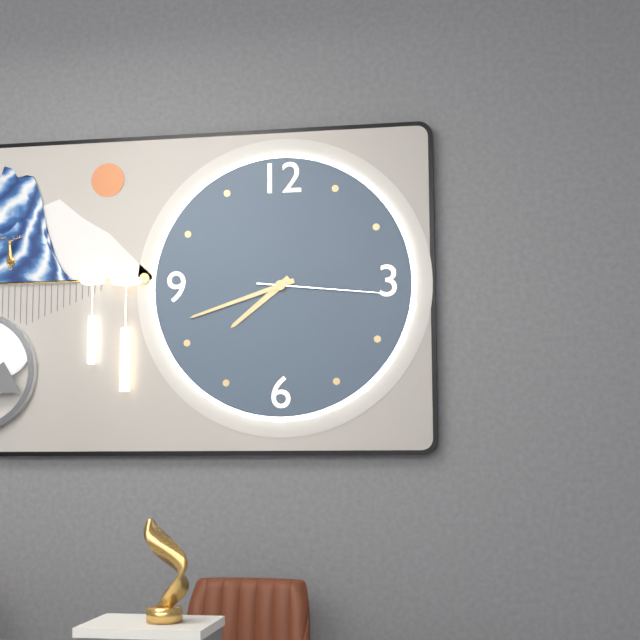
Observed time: 7:42:16
